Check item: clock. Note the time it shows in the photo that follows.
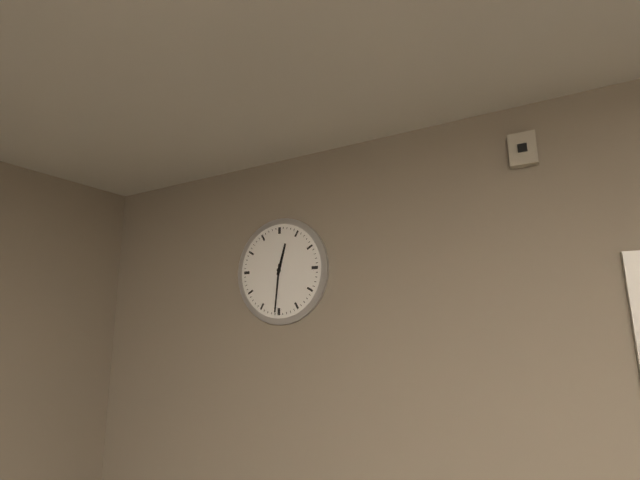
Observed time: 12:31
